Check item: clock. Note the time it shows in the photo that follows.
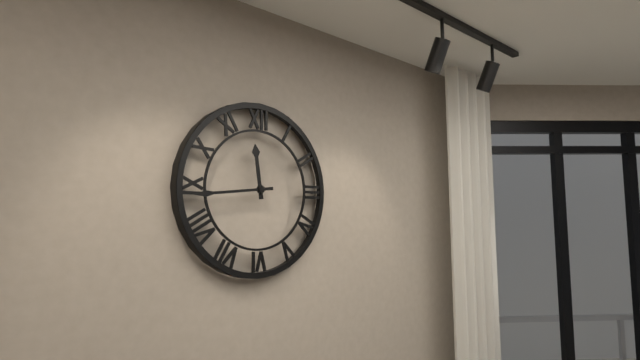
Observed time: 11:44
